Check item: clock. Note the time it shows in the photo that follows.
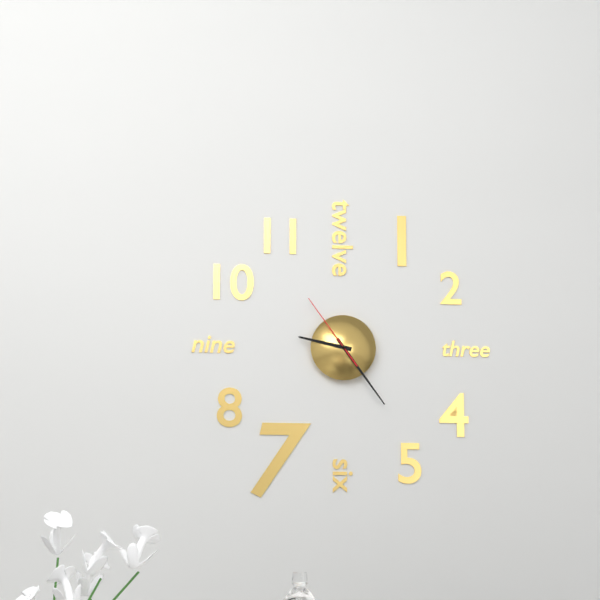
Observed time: 9:24:54
